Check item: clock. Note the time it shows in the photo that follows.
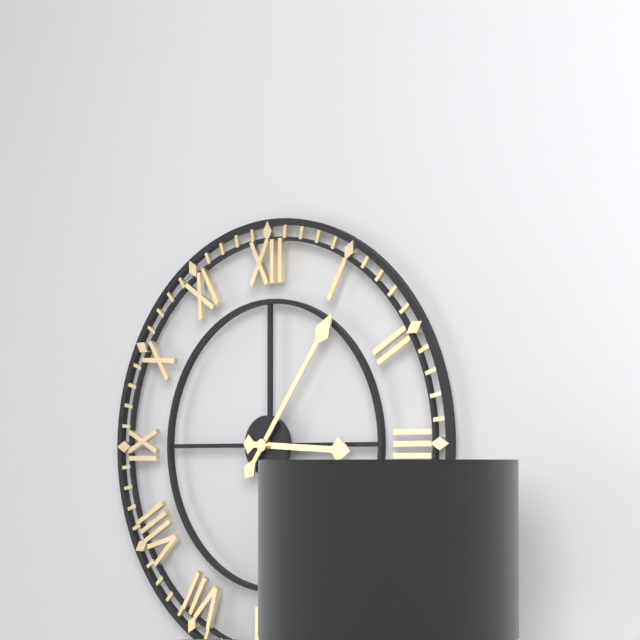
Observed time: 3:06
